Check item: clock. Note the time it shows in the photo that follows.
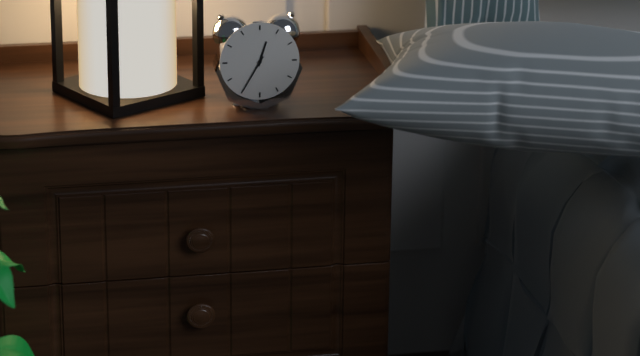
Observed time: 12:35
